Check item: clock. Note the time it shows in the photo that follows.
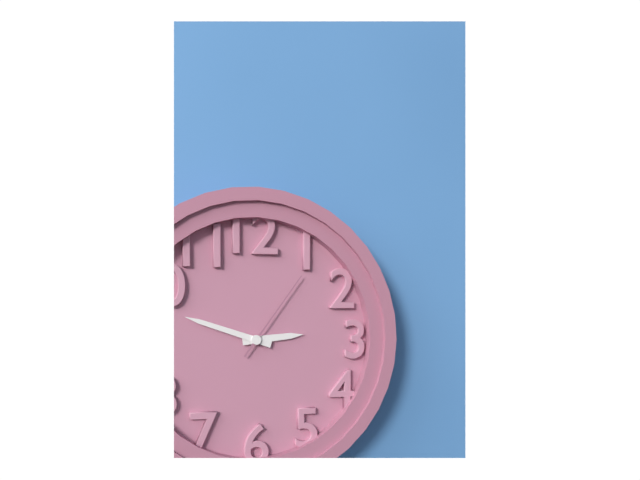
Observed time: 2:48:06
